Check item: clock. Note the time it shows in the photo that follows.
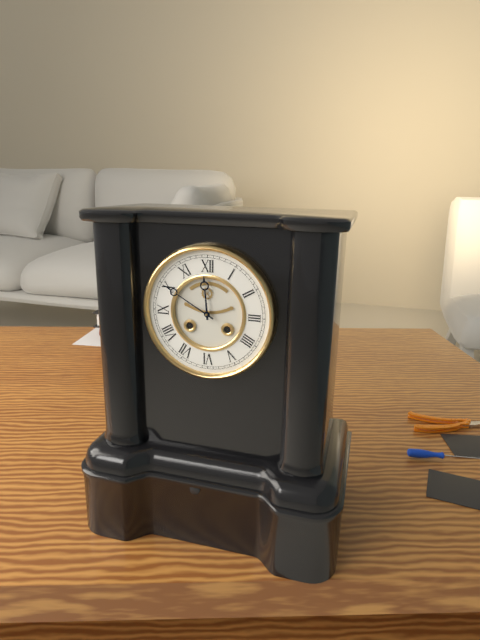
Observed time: 11:50
